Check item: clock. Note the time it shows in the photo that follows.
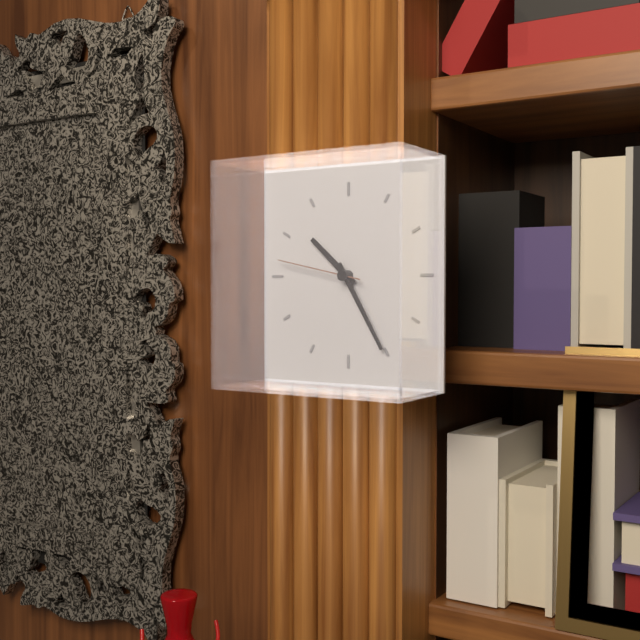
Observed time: 10:25:47
